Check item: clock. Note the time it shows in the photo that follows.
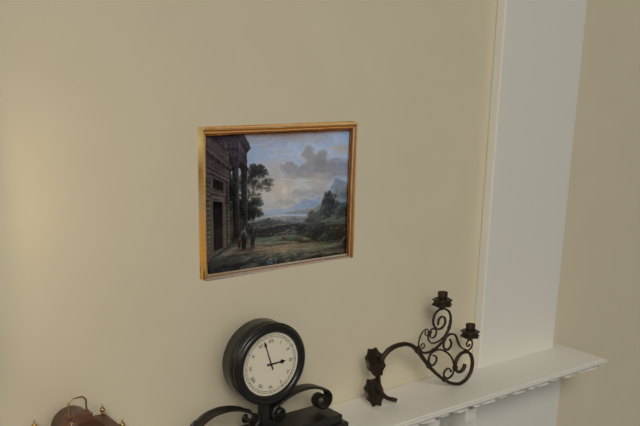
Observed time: 2:57
